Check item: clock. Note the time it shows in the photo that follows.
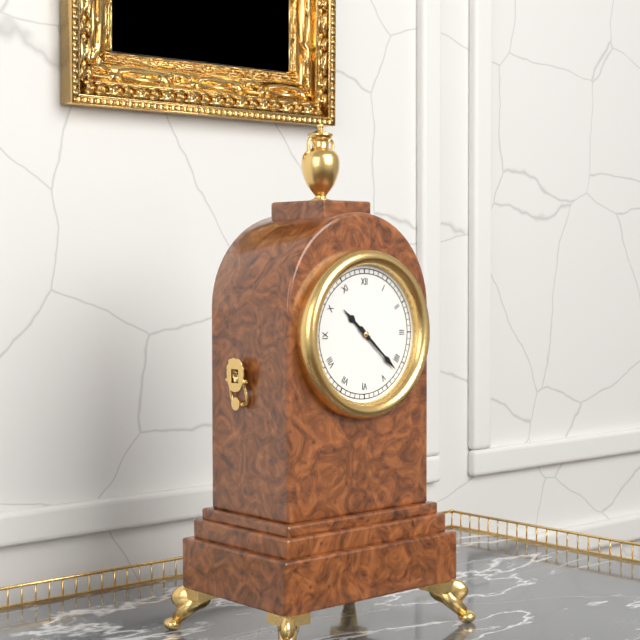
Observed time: 10:22
